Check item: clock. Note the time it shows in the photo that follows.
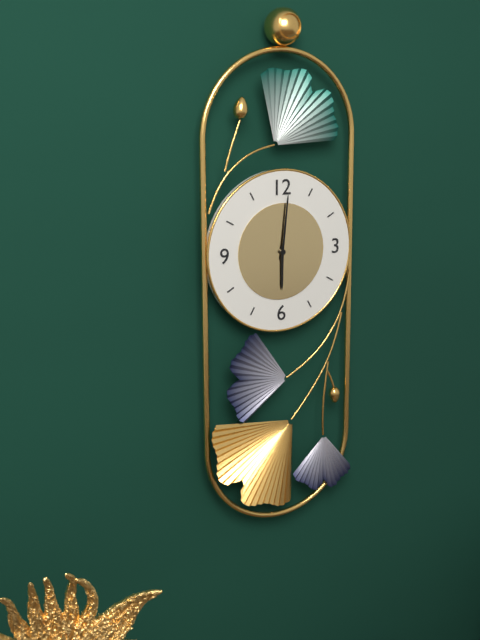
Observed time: 6:01
